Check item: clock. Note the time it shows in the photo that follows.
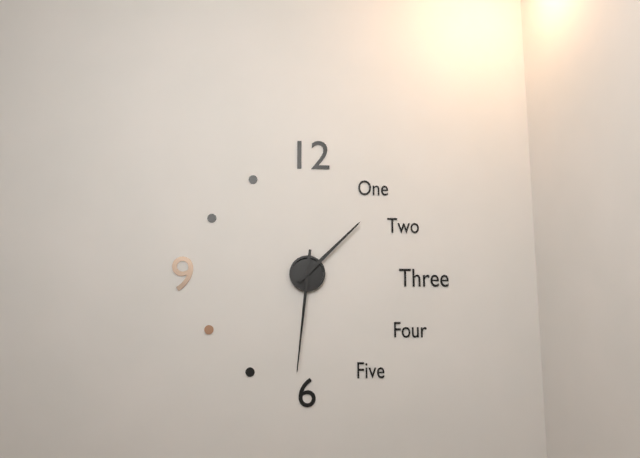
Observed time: 1:31
